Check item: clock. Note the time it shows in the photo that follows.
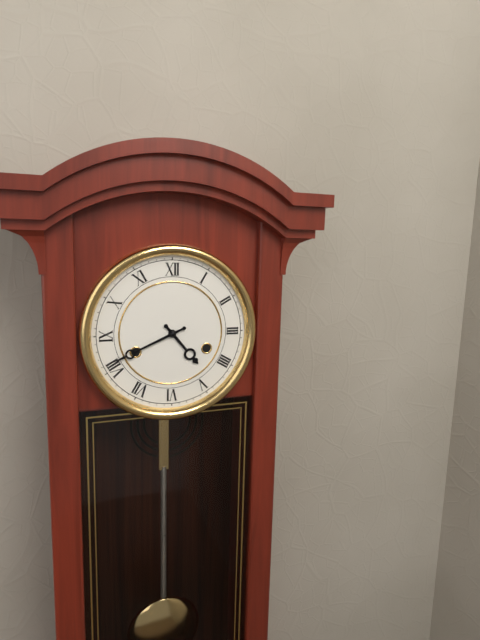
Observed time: 4:41
